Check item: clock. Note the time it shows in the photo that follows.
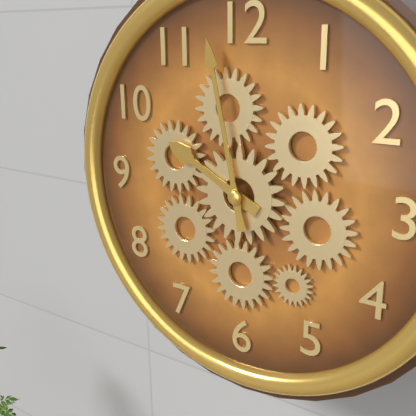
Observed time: 9:58
